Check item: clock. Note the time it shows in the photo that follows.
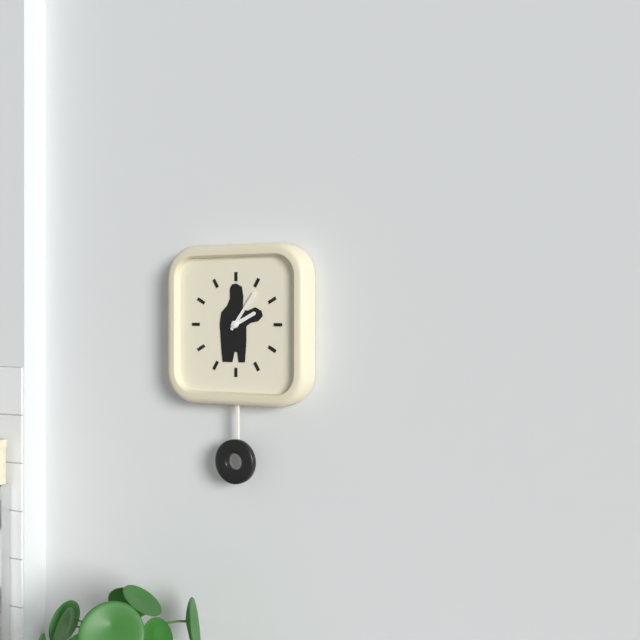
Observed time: 2:06
